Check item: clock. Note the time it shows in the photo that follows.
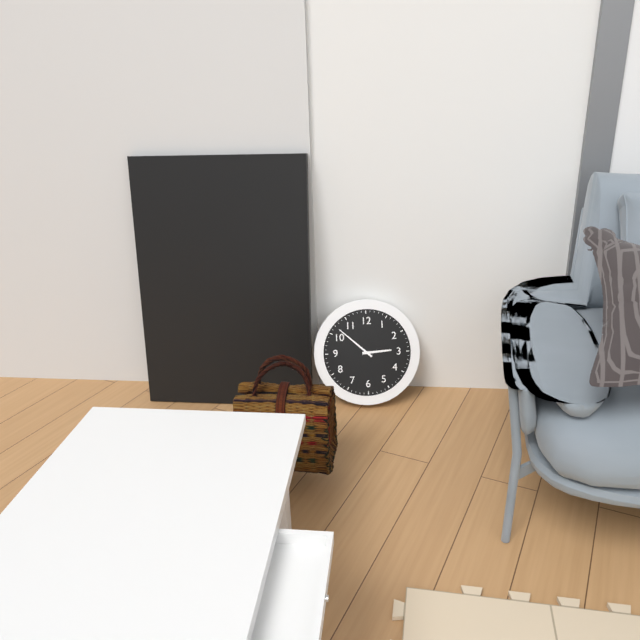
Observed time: 2:52
